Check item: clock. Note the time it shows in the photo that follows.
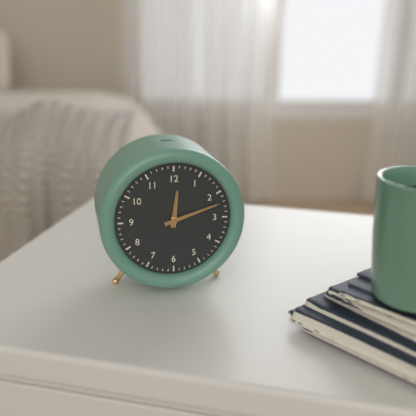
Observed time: 12:12
